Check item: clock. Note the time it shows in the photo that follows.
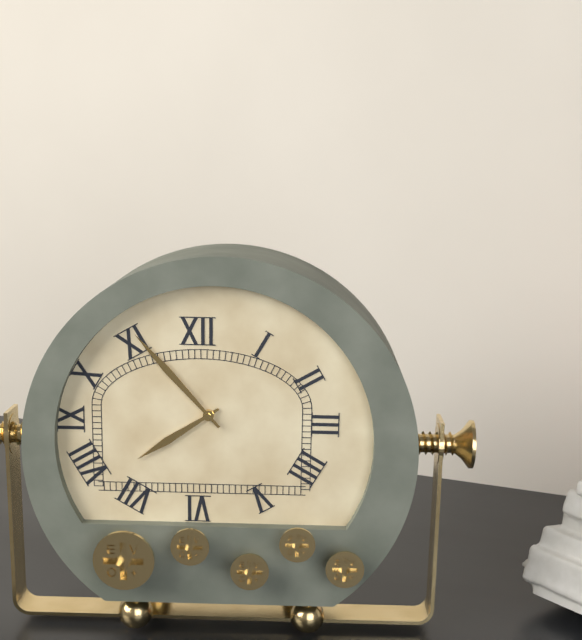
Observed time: 7:53
